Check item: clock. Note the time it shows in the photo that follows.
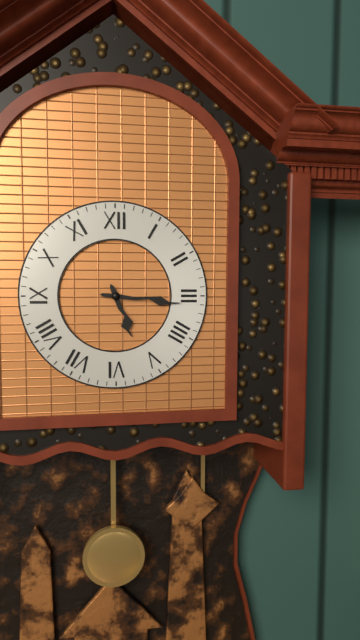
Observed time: 5:16
